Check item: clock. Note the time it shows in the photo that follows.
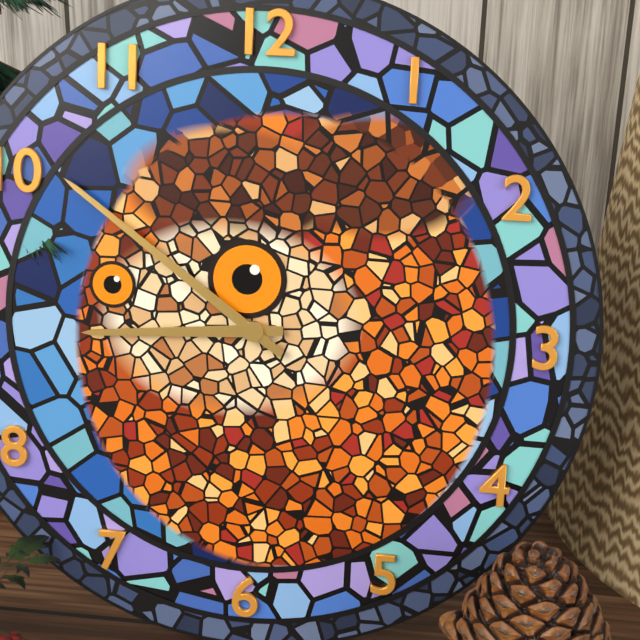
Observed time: 8:51
